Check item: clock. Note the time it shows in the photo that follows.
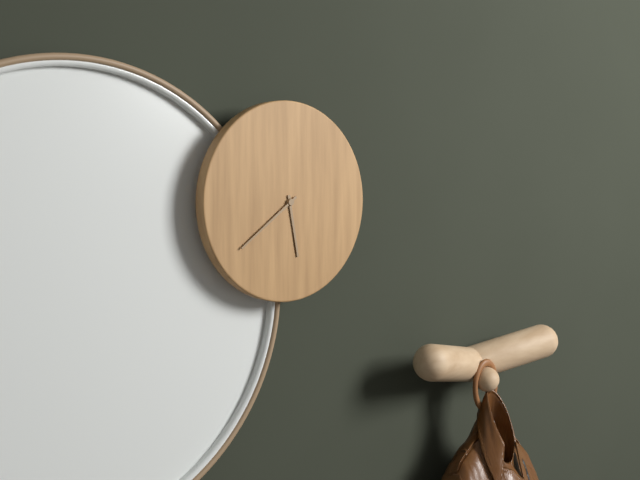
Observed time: 5:39
